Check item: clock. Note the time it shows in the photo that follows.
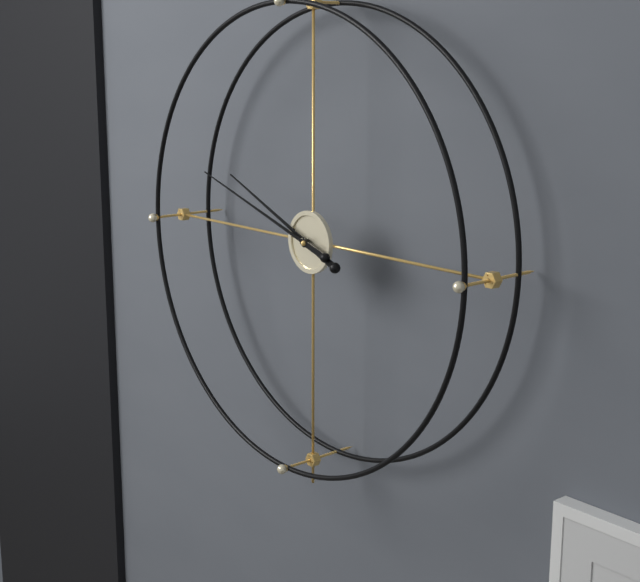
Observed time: 9:48
